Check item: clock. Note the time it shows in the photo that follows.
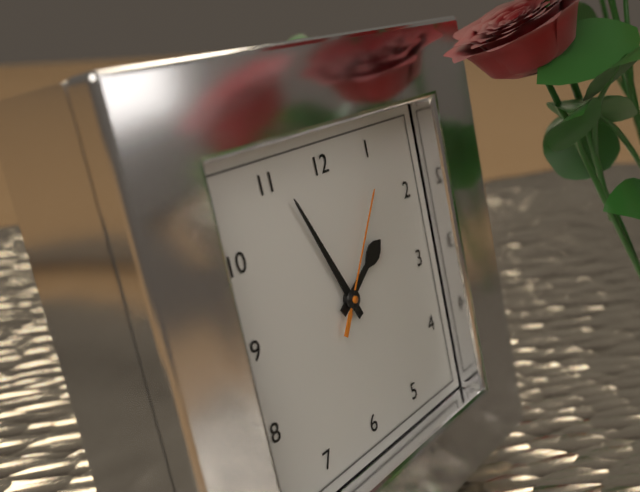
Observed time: 1:56:06
